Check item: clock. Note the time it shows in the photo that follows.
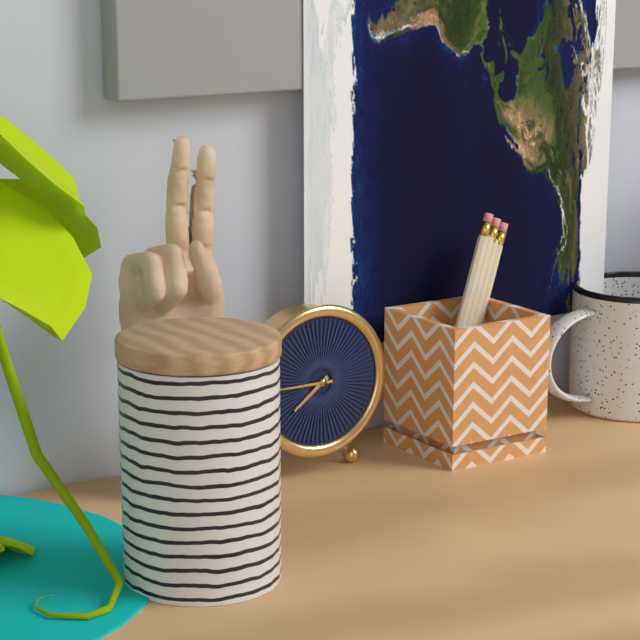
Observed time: 7:45
